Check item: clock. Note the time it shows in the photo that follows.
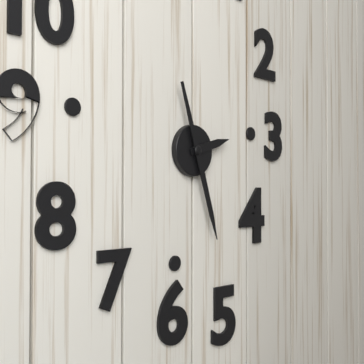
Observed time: 2:27
